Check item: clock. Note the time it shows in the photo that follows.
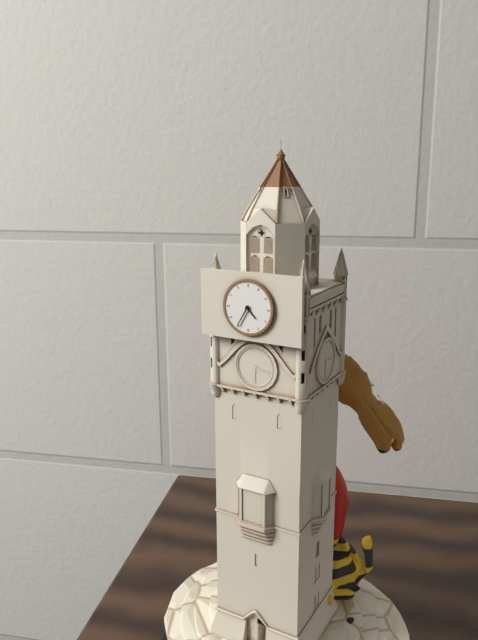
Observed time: 4:35
